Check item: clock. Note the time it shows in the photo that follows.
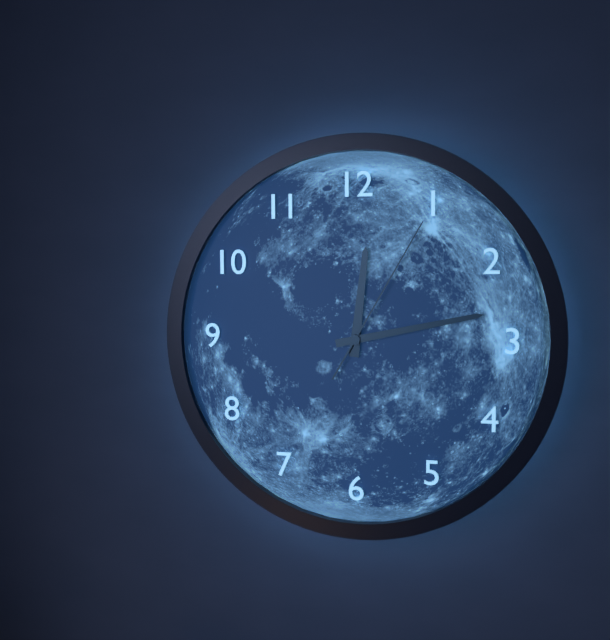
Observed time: 12:13:05
